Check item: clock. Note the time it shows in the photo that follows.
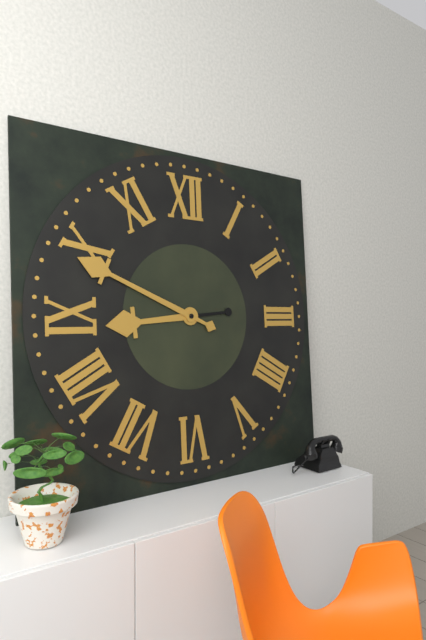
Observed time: 8:49
